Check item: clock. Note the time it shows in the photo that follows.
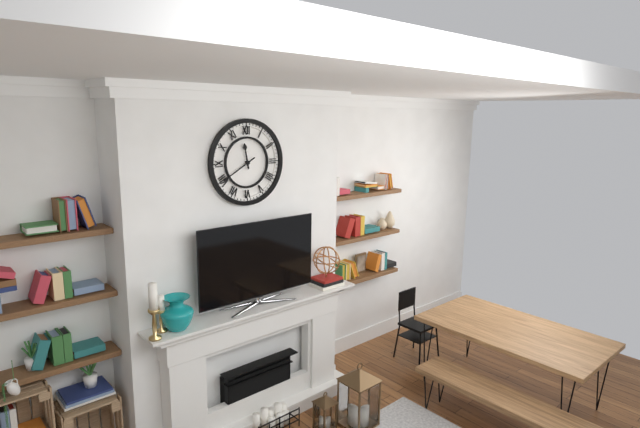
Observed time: 11:40
